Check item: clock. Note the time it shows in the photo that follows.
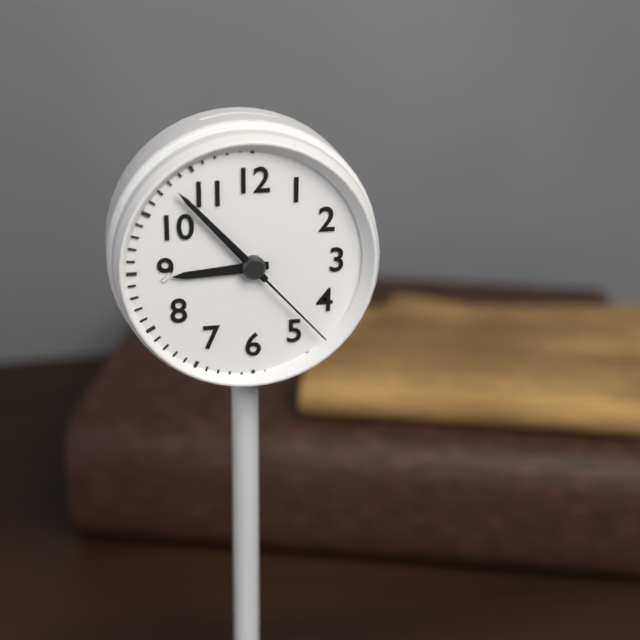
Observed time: 8:53:23
